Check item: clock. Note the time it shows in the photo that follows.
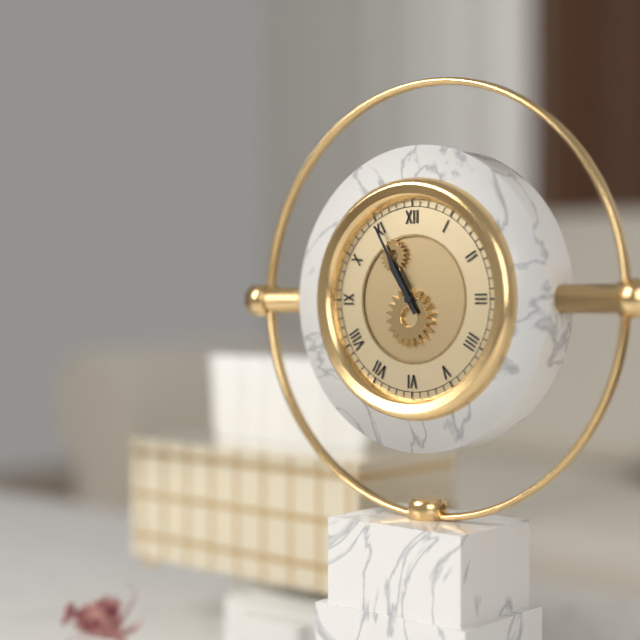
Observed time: 10:55
